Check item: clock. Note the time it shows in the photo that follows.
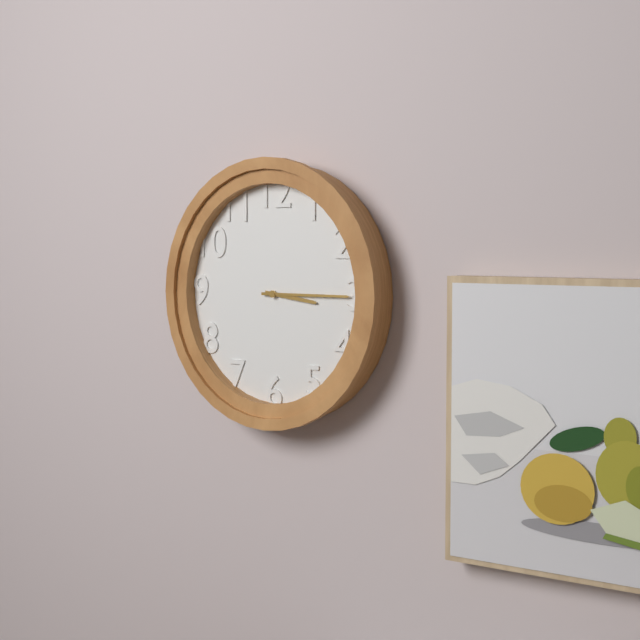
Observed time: 3:15
